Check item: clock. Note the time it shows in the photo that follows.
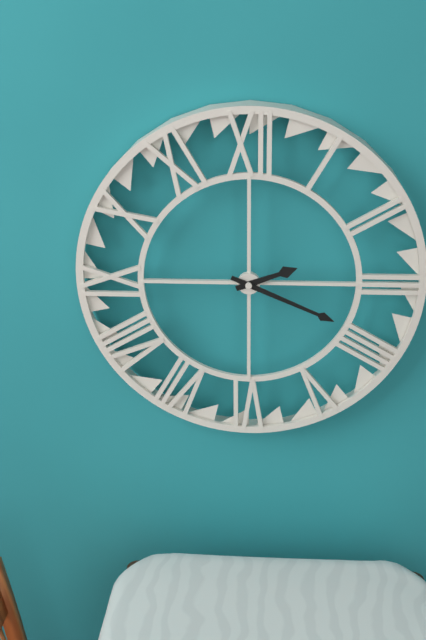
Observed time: 2:19
